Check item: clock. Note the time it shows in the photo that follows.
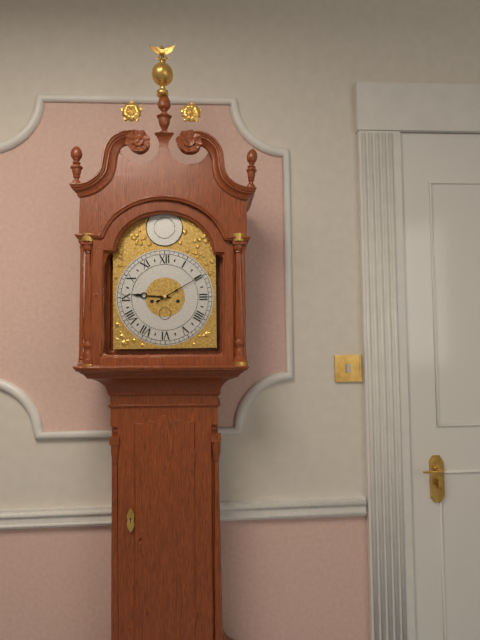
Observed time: 9:10
